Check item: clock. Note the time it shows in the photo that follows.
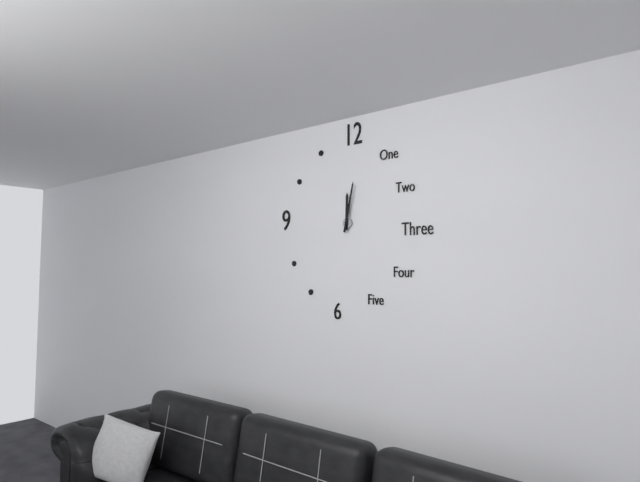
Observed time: 12:02
